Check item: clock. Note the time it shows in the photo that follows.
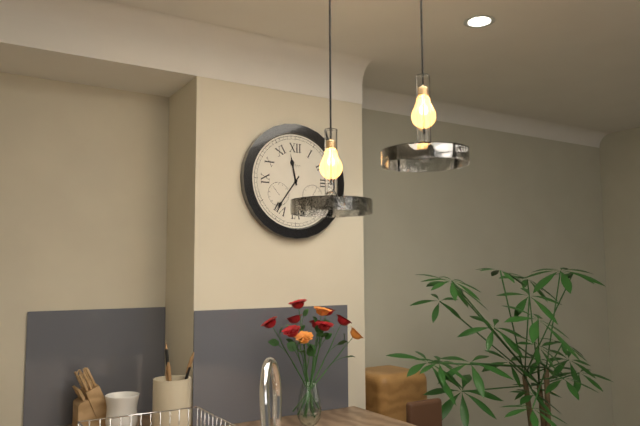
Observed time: 11:36
